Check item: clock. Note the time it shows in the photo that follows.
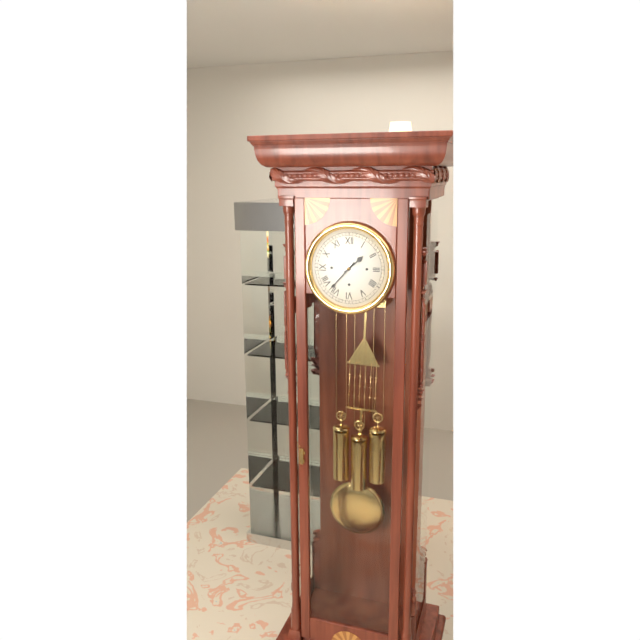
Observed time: 1:37
